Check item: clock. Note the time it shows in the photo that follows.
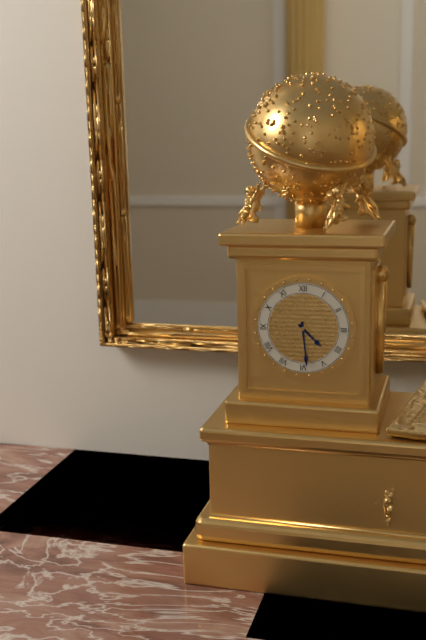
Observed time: 4:29
